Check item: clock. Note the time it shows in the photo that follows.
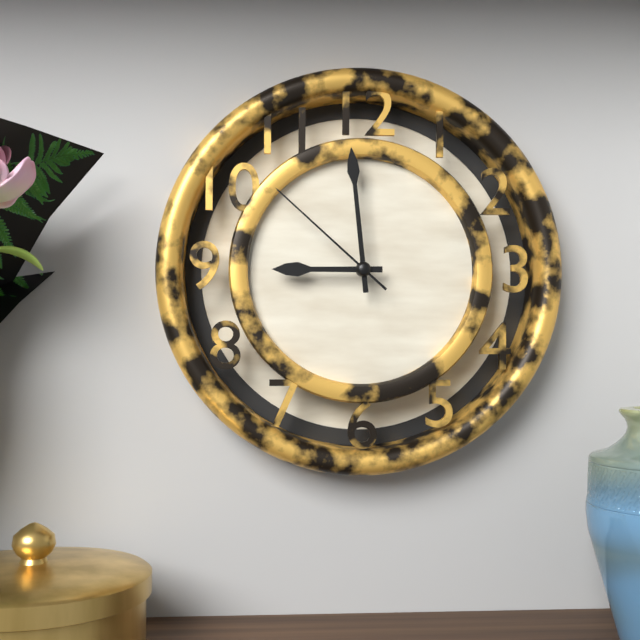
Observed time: 8:59:52
